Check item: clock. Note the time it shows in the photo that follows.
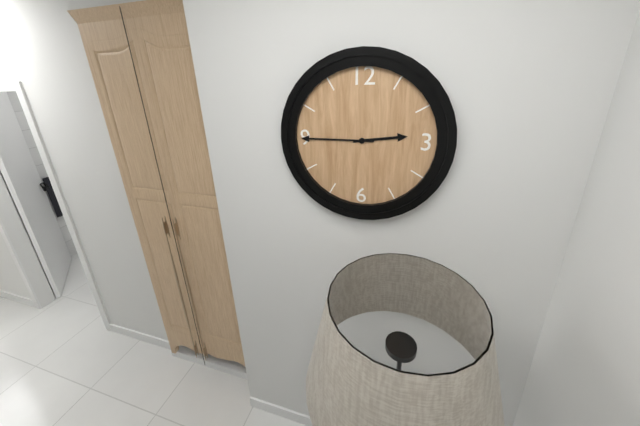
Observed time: 2:45
